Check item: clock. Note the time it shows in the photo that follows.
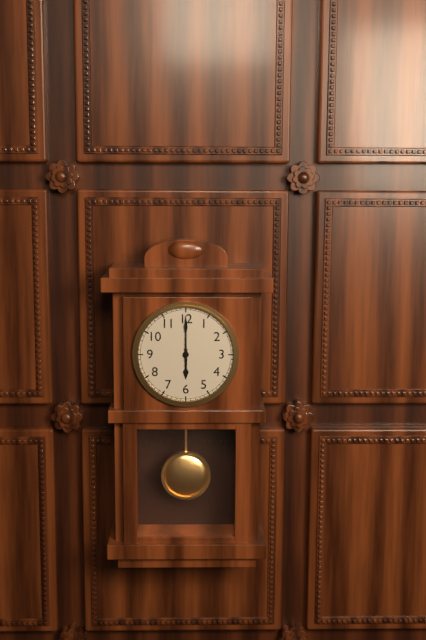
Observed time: 6:00
